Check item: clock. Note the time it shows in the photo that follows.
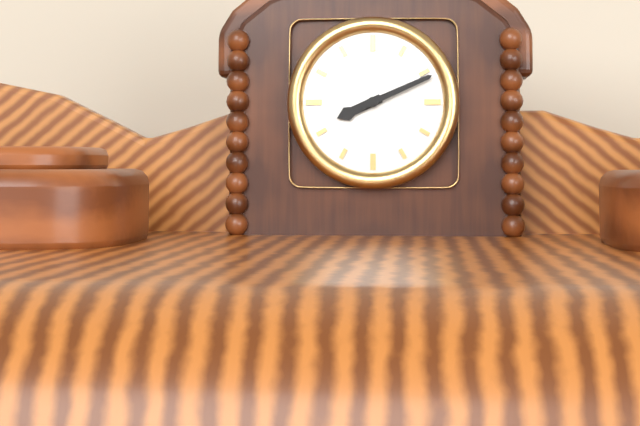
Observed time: 8:11
